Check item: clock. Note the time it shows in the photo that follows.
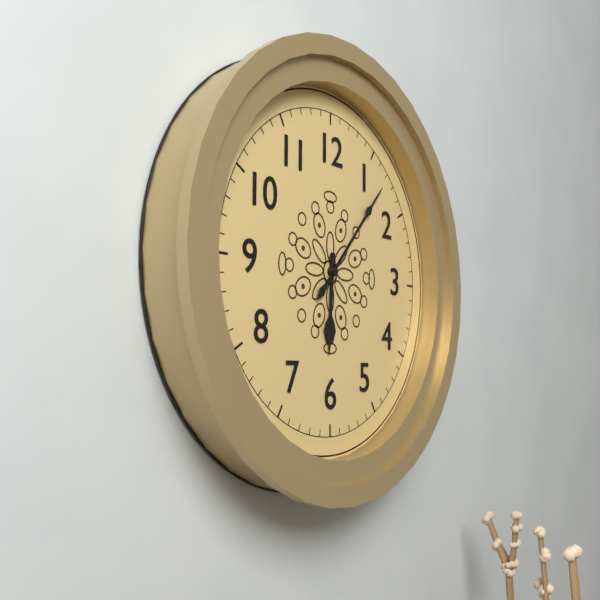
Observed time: 6:07
